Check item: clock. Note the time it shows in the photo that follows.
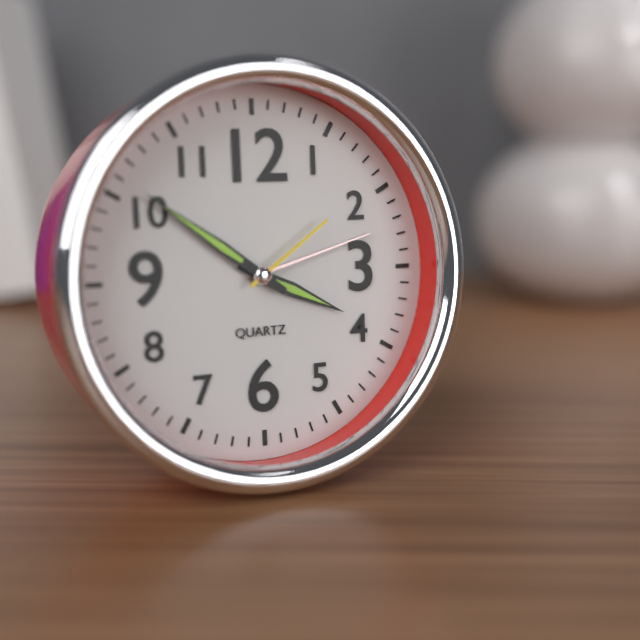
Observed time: 3:51:09
